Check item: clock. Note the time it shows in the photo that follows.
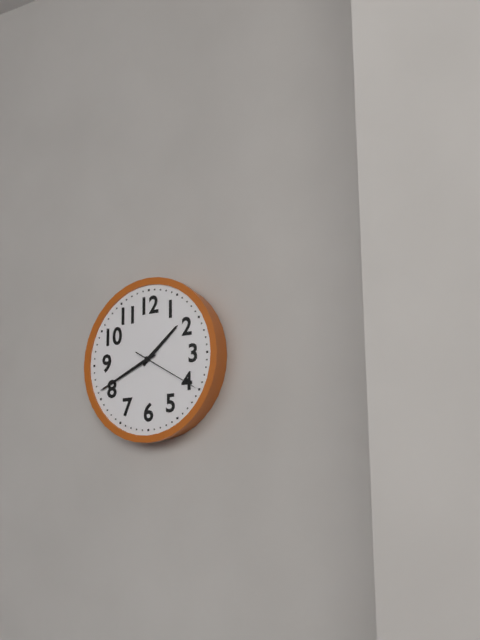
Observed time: 1:41:20
